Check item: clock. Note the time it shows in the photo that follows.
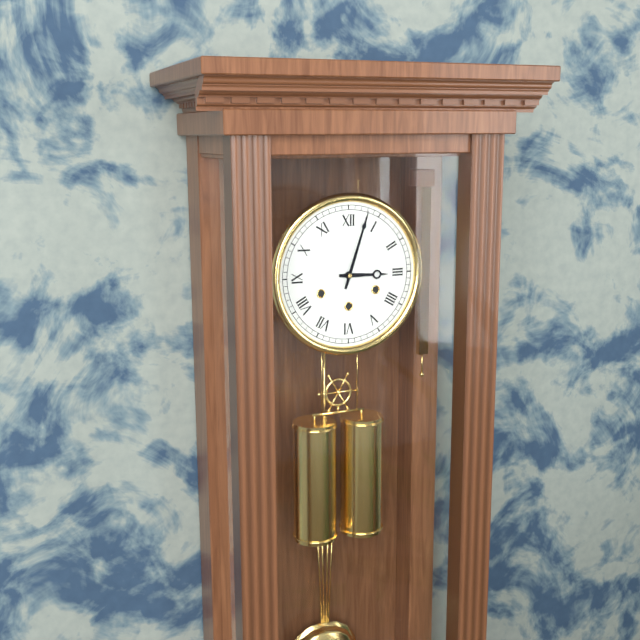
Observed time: 3:03
